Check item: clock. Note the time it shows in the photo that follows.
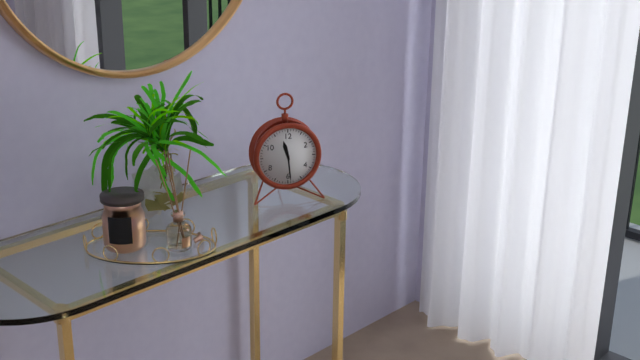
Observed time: 11:29
